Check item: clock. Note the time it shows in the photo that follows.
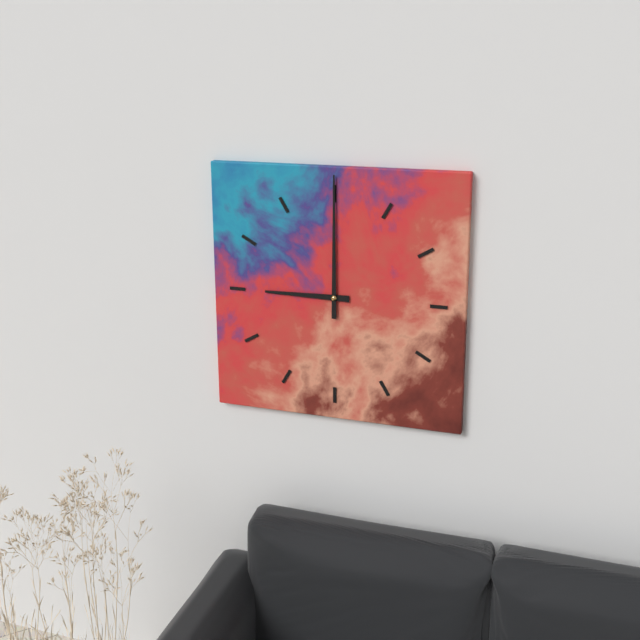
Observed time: 9:00
